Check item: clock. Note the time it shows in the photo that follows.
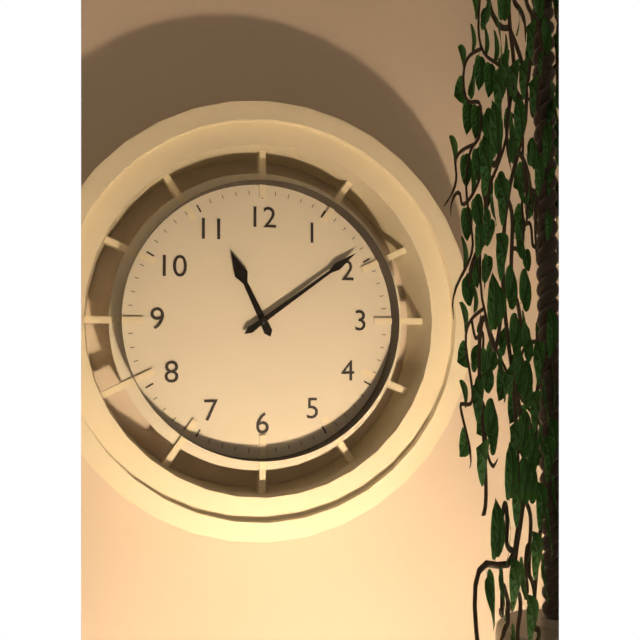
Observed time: 11:09
